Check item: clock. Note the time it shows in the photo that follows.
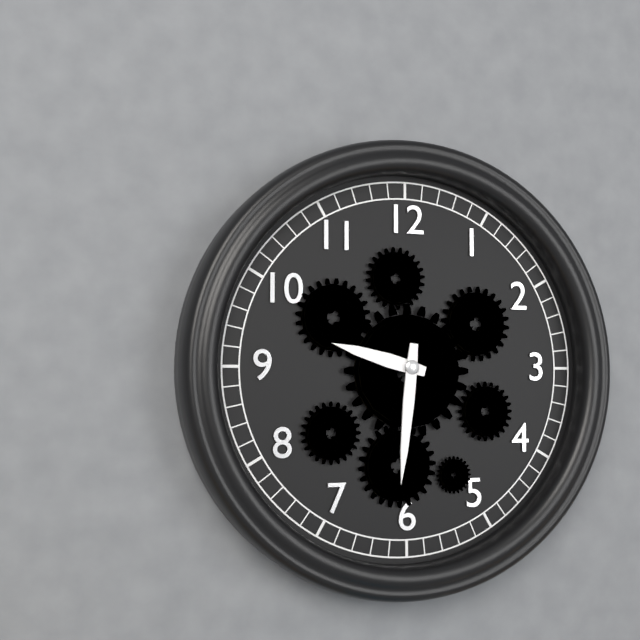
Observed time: 9:31
